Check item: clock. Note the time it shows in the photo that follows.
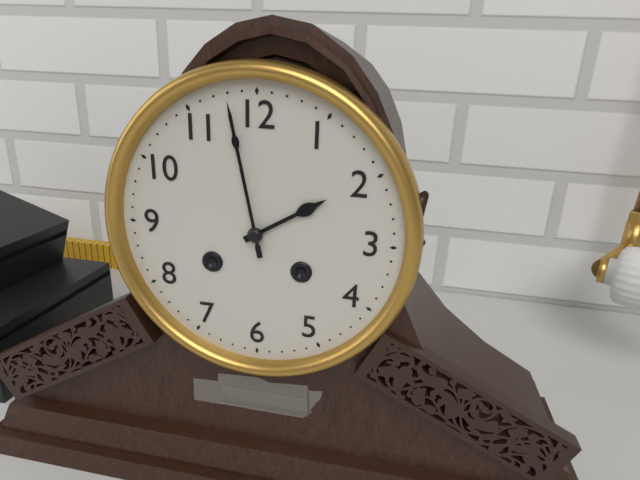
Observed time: 1:58
